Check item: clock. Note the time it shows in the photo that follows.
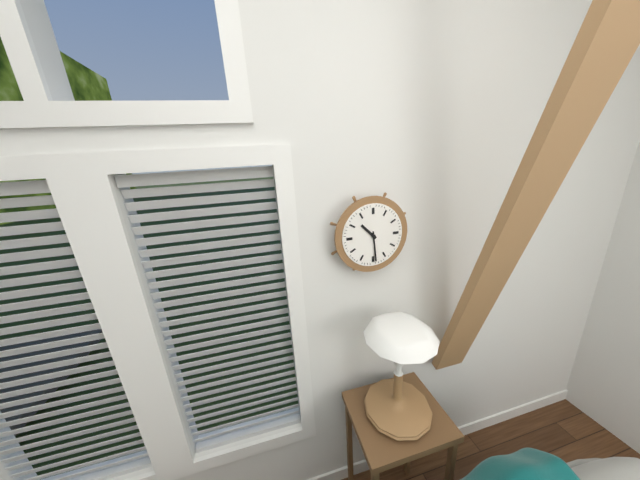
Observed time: 10:29
